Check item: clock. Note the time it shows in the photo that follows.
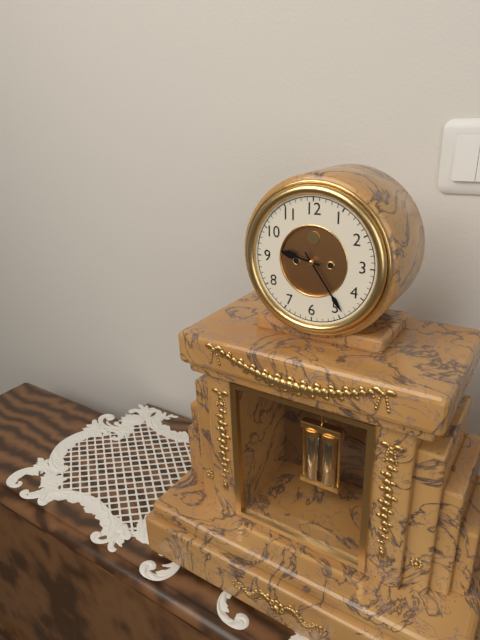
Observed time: 9:24
